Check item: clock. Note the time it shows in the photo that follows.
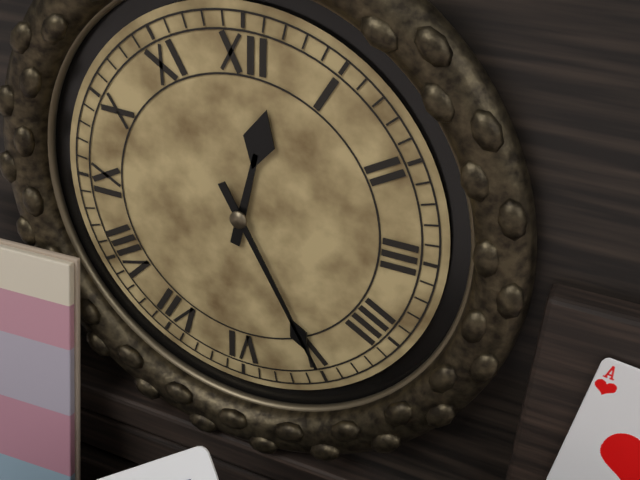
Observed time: 12:25
